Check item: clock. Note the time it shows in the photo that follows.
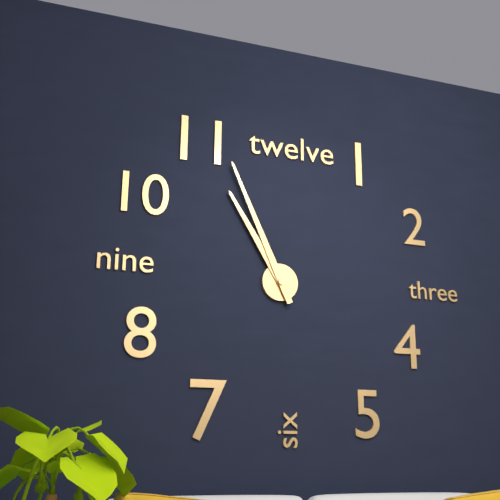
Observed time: 10:56
